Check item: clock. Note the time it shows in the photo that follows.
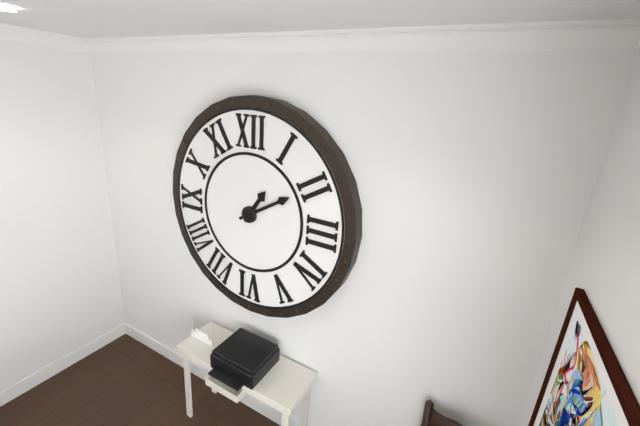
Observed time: 1:10
